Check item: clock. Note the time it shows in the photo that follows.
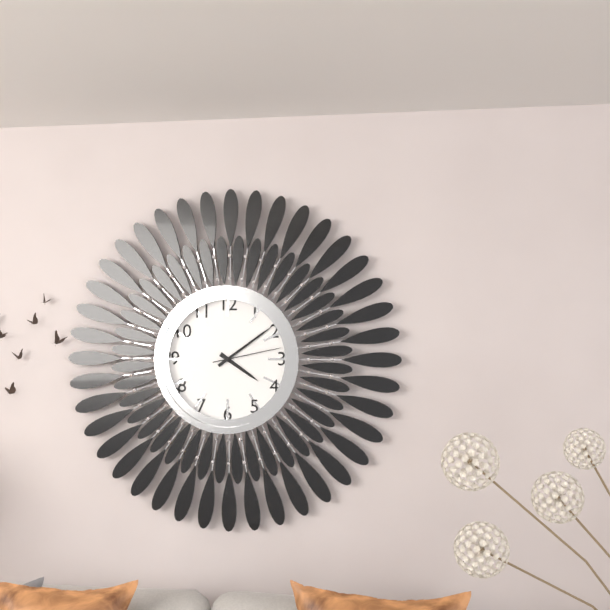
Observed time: 4:09:13
